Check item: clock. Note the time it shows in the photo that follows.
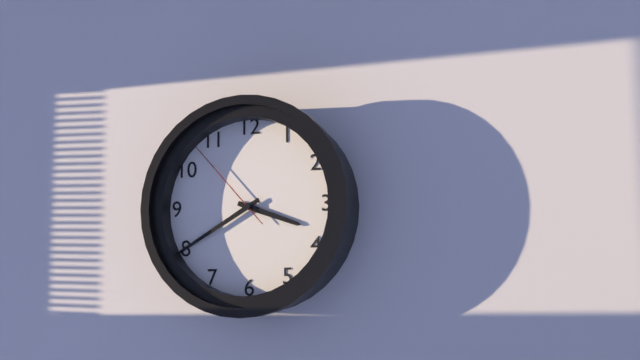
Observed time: 3:40:53
